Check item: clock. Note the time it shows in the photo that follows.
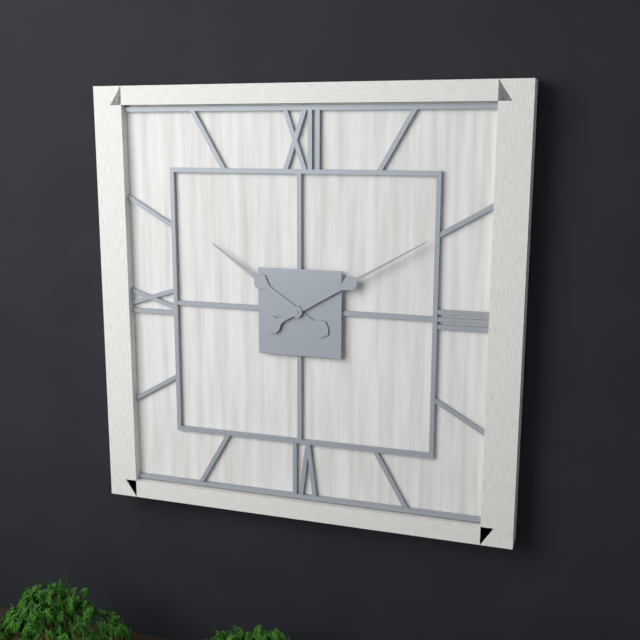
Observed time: 10:10
